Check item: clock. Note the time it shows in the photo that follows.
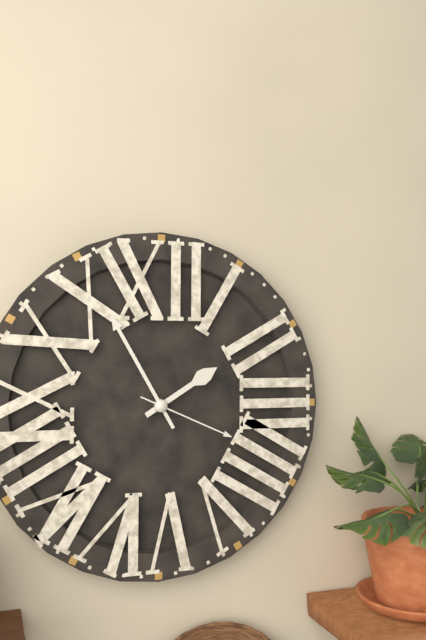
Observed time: 1:55:19
